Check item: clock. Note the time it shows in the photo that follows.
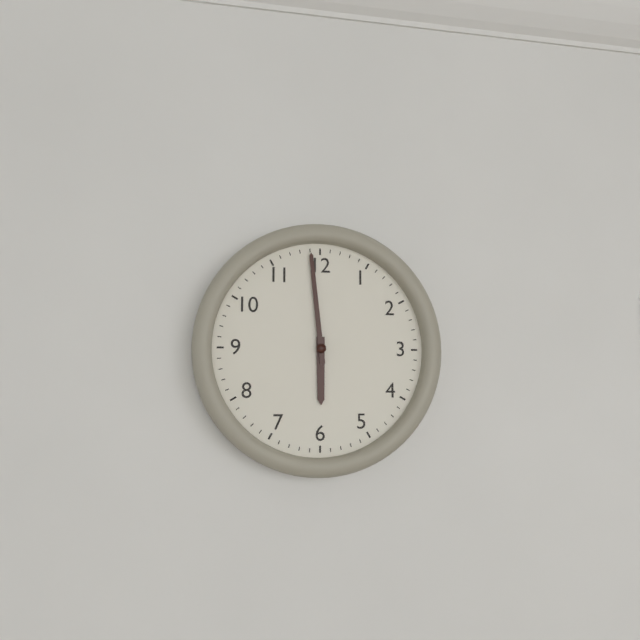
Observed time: 5:59
